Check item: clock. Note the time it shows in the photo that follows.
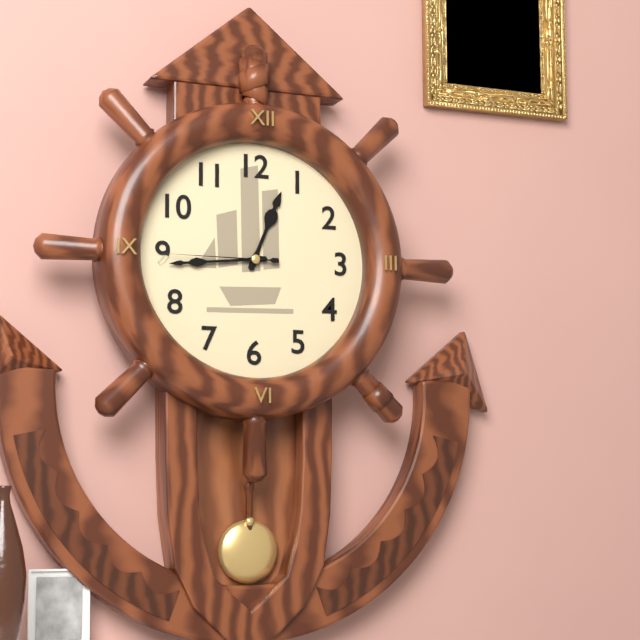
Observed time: 12:44:45
